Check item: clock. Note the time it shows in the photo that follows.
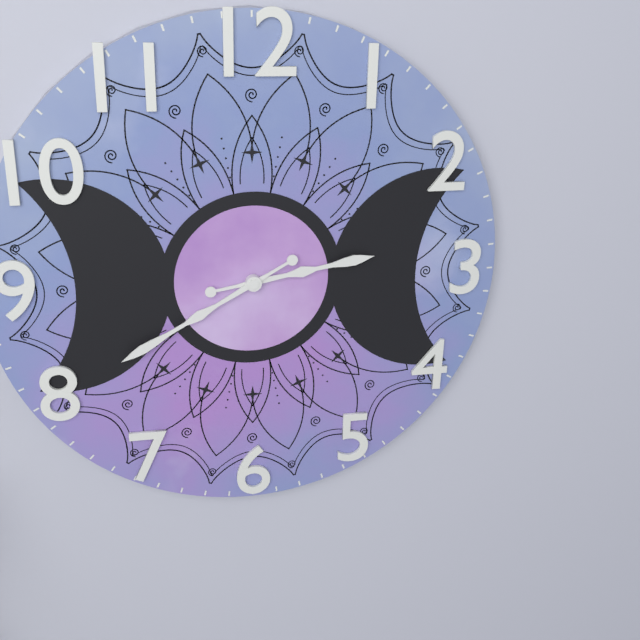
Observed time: 2:40
